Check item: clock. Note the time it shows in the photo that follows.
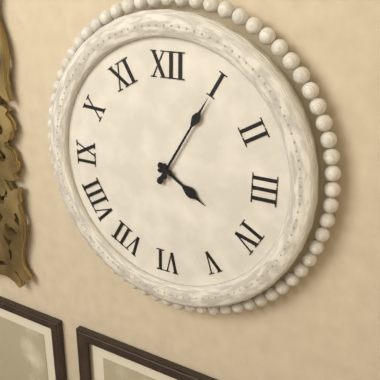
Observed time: 4:05
